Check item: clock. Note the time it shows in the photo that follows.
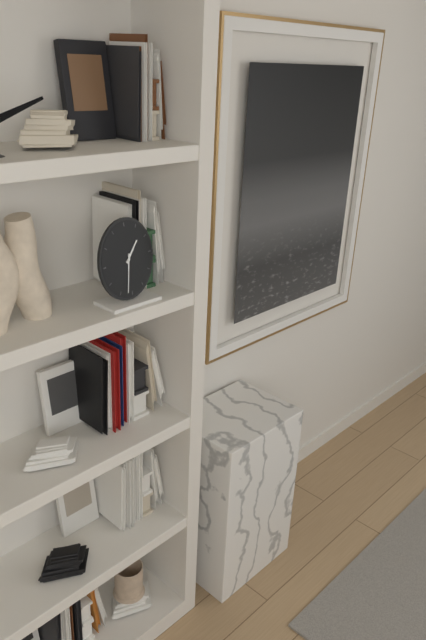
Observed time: 1:32
